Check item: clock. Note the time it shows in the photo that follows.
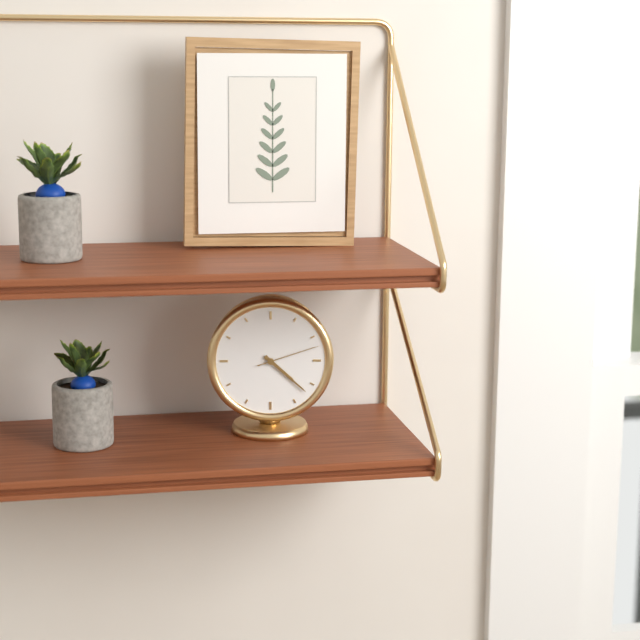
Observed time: 4:22:12
